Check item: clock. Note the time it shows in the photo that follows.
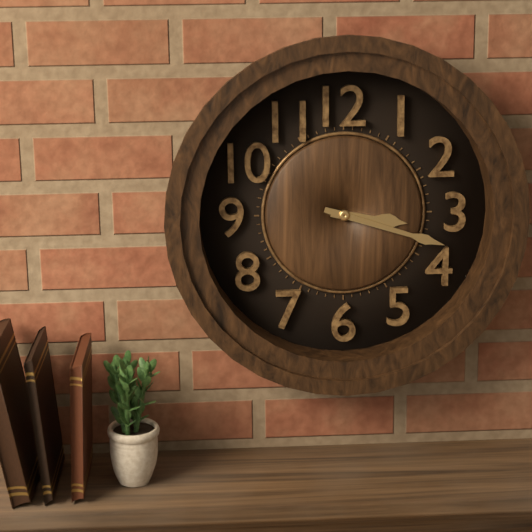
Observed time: 3:18
